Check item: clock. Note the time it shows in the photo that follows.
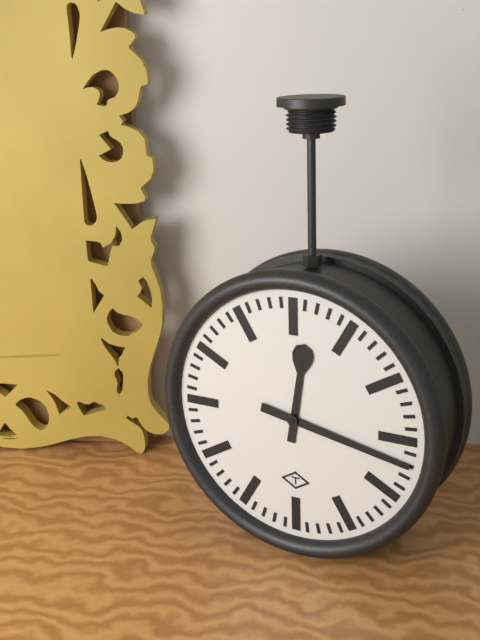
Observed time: 12:17
